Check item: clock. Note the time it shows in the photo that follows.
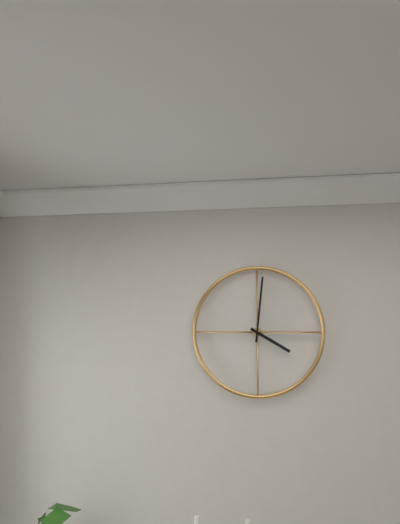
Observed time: 4:01
